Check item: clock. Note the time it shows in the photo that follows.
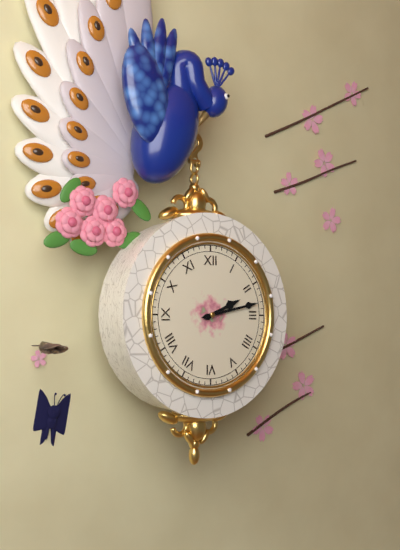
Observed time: 2:13
